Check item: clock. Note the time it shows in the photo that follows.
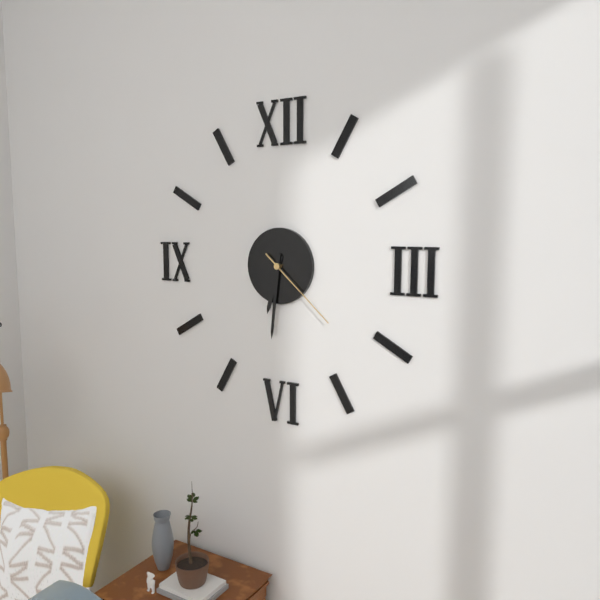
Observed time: 6:31:22
